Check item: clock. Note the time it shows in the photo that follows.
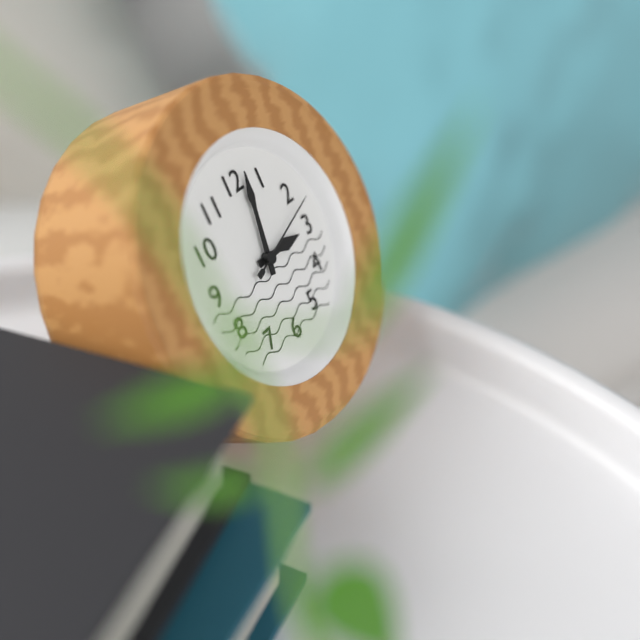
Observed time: 3:02:12
